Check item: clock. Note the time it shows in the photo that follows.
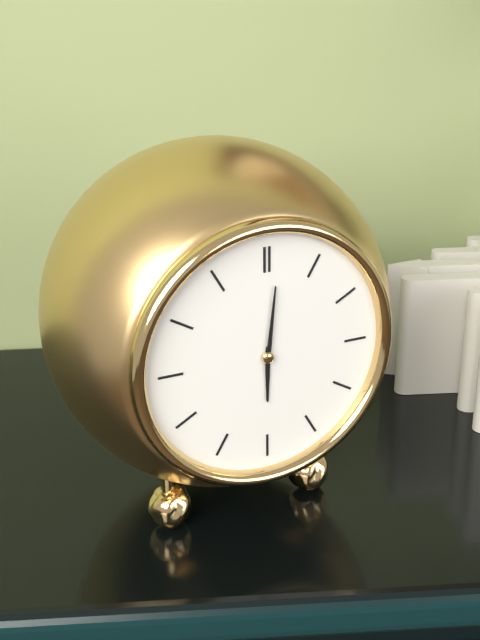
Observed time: 6:01
